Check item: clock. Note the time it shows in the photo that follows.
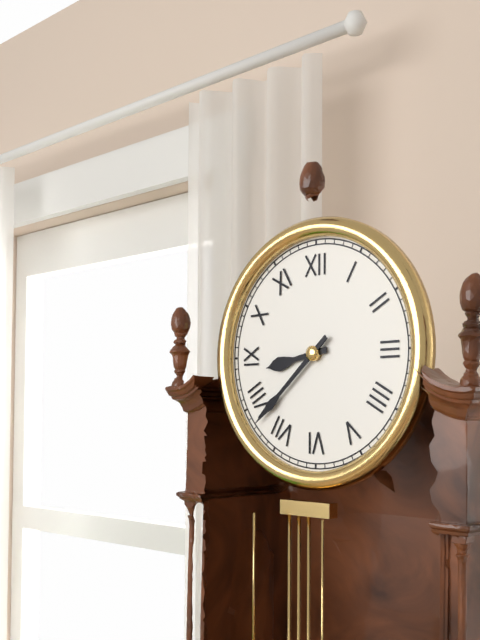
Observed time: 8:38
